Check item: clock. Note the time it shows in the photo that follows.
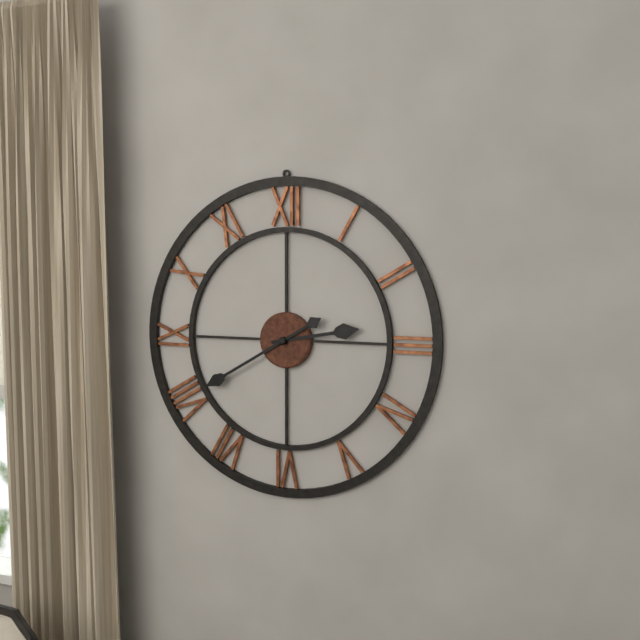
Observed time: 2:40
